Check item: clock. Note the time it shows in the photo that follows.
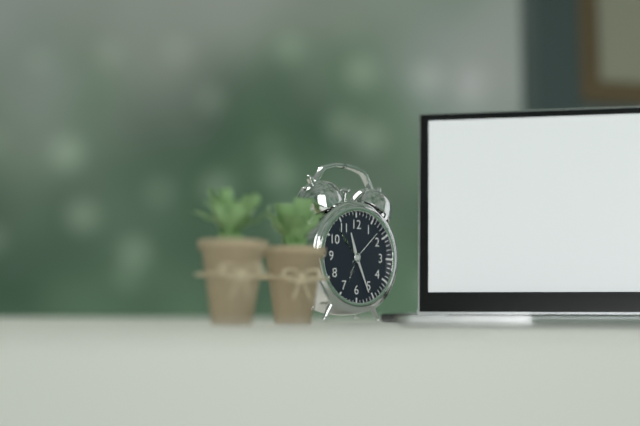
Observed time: 11:26
